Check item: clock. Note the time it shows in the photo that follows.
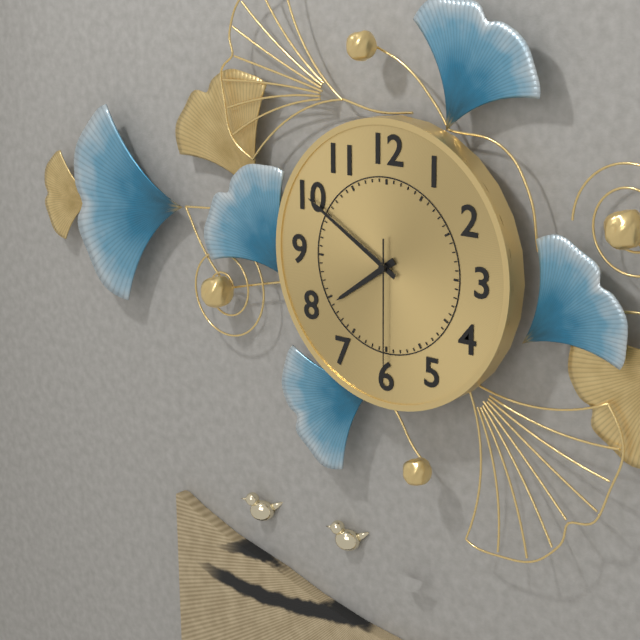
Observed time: 7:50:30
